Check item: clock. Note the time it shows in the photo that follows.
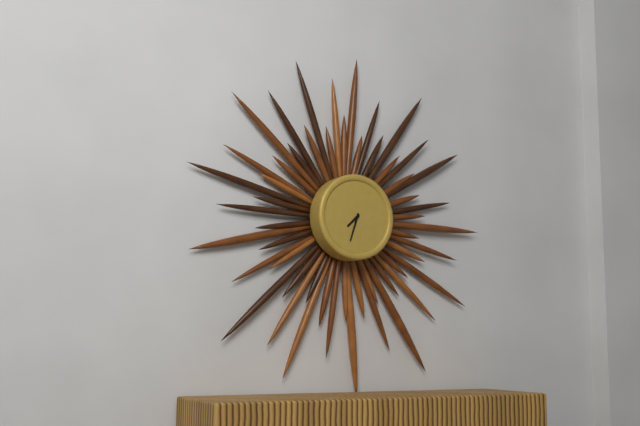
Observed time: 7:33
